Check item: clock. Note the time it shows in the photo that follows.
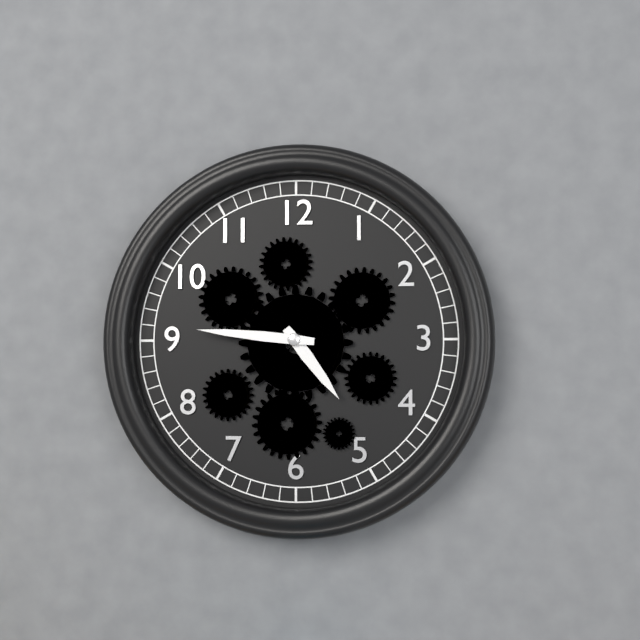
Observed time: 4:46
